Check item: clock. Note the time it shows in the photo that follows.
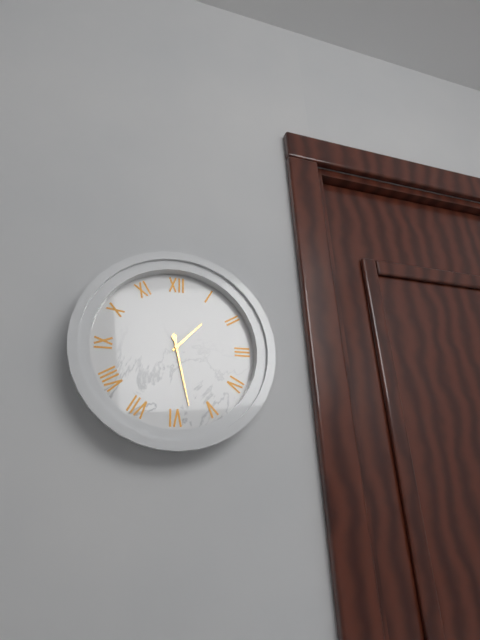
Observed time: 1:28
